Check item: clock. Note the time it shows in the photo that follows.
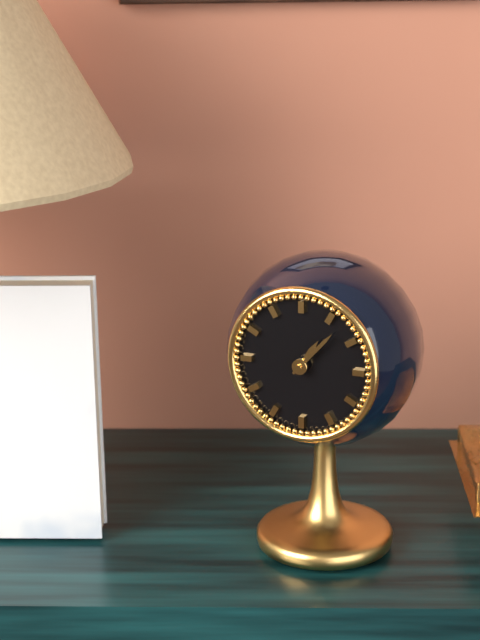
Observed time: 1:07
